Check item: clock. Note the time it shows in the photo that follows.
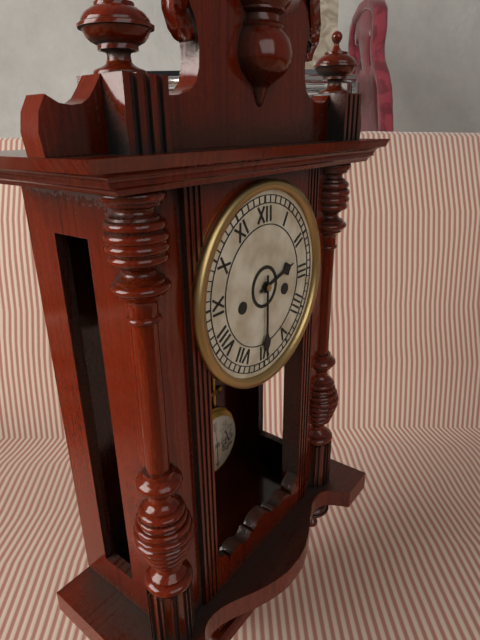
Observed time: 2:30
